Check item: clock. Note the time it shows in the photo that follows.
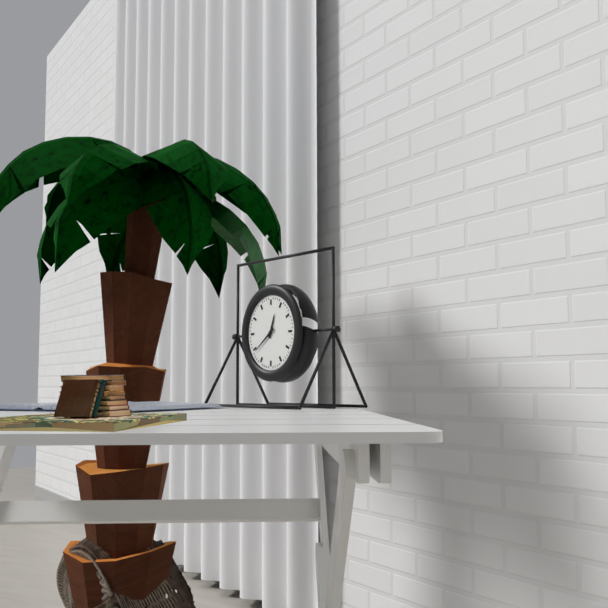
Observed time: 12:39
